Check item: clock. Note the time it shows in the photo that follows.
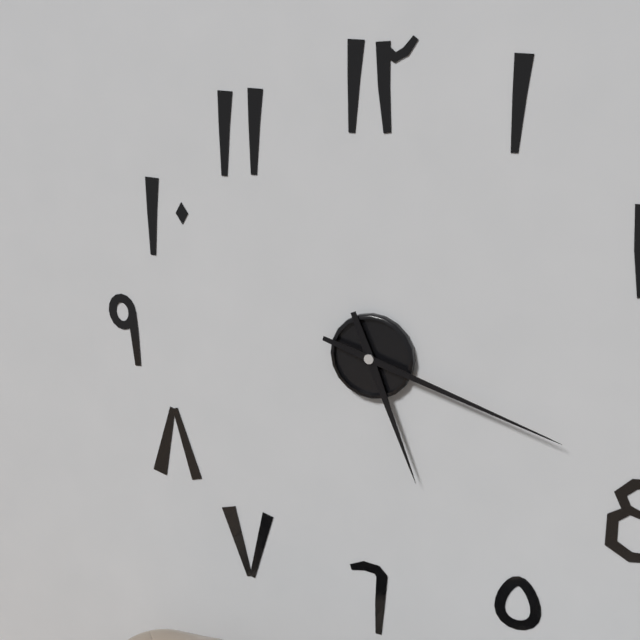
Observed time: 5:18
